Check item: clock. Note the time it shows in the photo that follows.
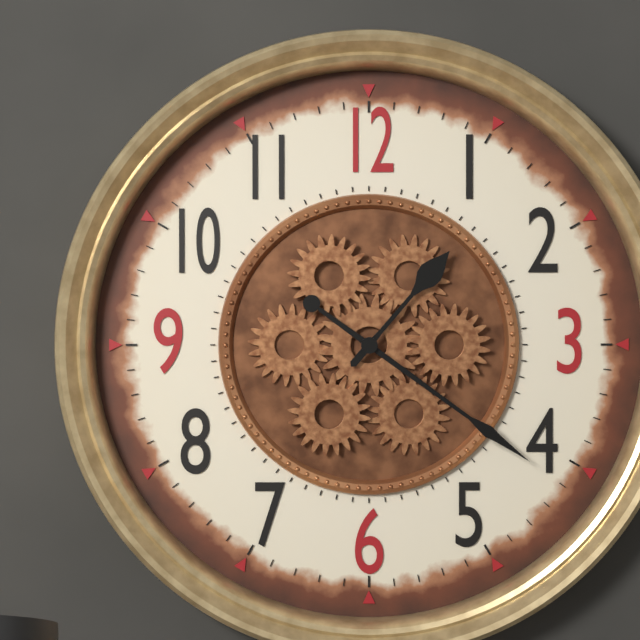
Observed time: 1:21
